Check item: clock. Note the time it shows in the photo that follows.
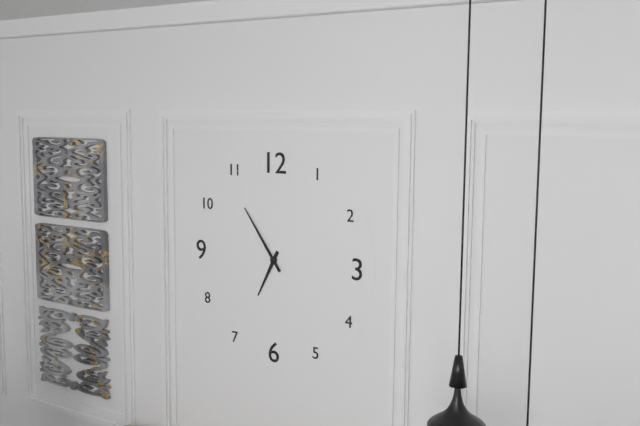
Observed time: 6:54
